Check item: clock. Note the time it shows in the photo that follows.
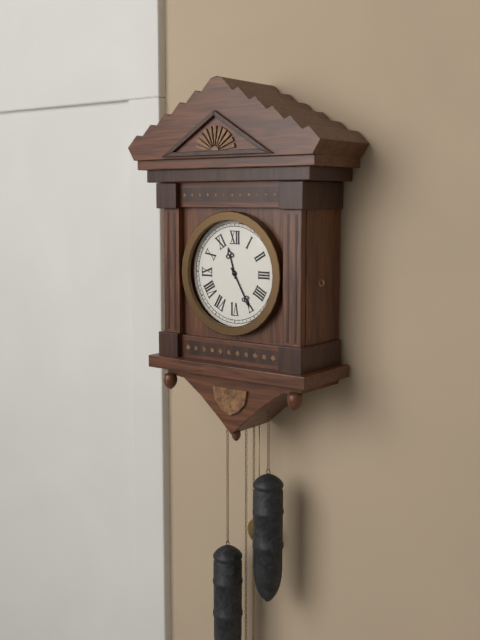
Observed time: 11:25
